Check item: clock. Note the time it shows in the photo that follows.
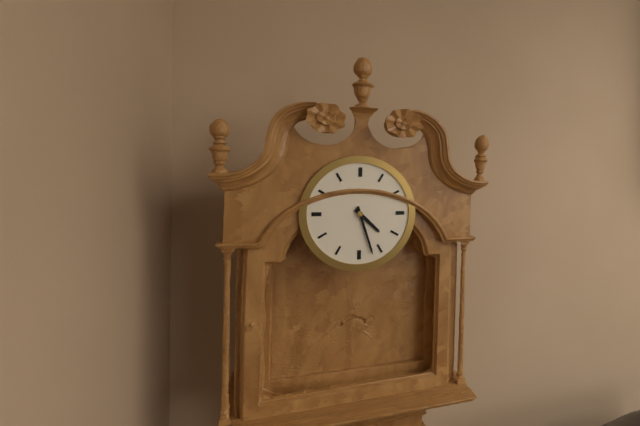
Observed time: 4:27
